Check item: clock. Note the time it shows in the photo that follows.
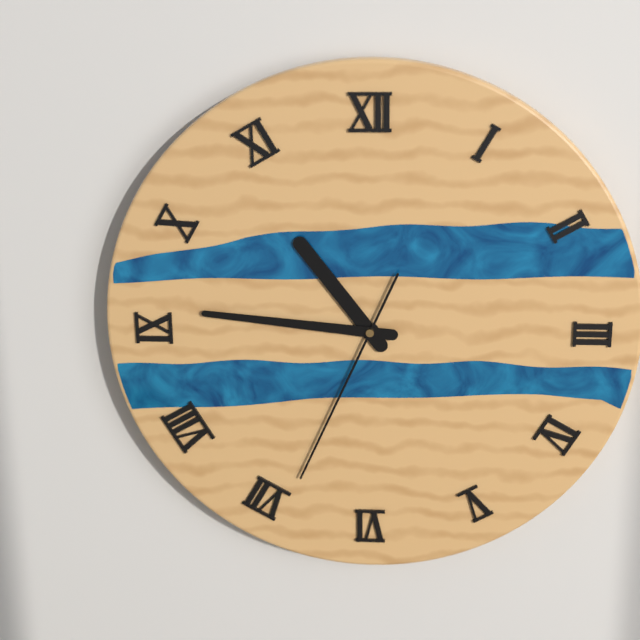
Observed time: 10:46:34
